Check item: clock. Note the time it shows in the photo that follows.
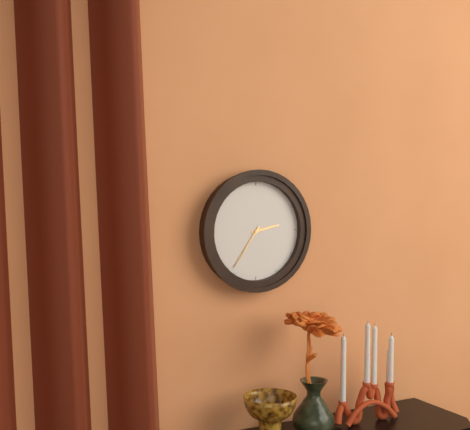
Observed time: 2:36
